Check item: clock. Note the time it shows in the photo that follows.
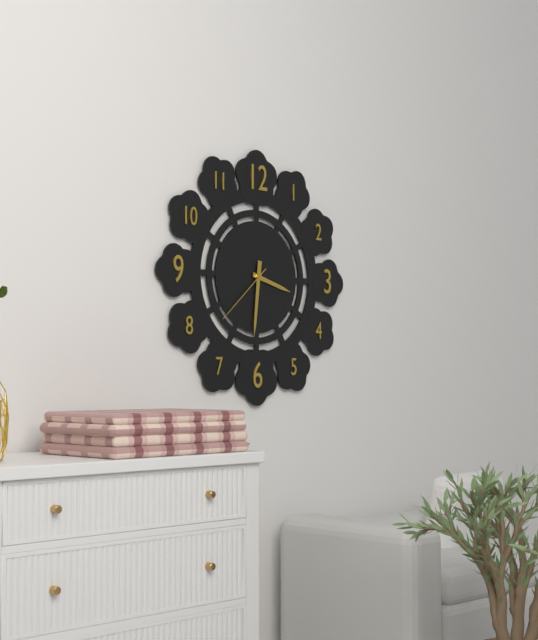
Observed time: 3:31:38
